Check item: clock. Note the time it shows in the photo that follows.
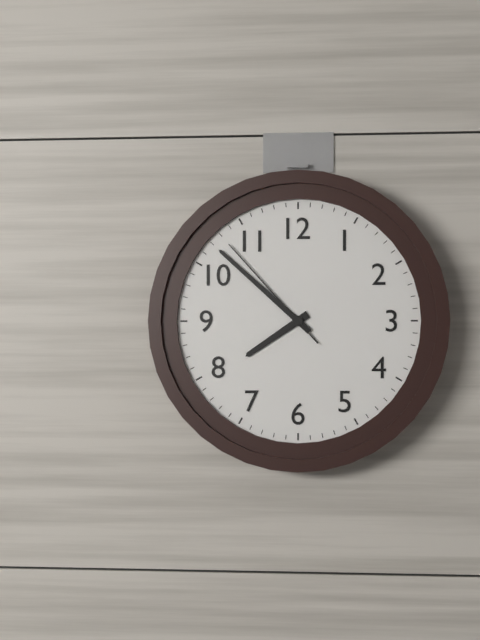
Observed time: 7:52:53
